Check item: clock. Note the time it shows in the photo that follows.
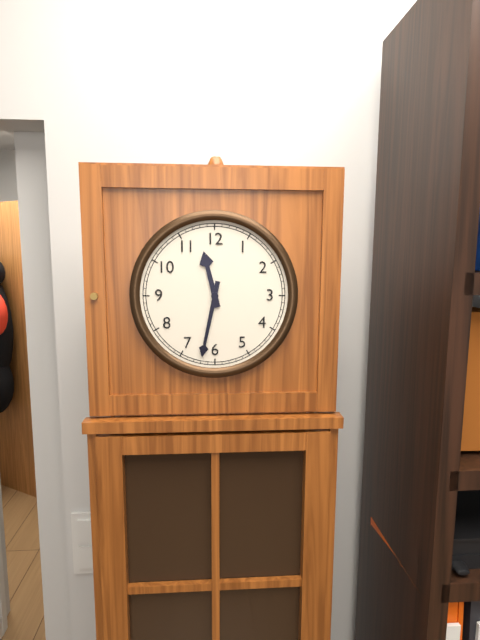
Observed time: 11:32
